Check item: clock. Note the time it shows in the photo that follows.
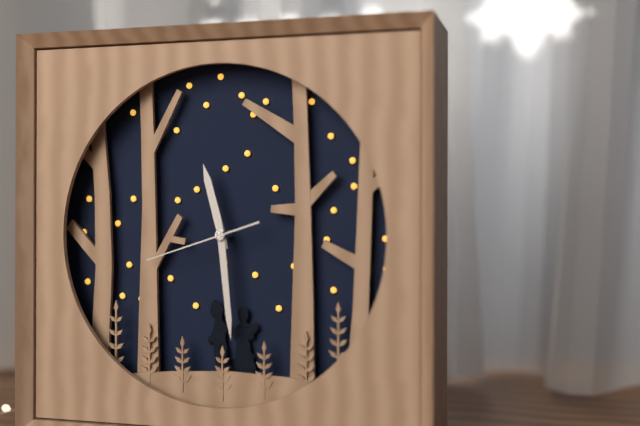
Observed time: 11:29:42
